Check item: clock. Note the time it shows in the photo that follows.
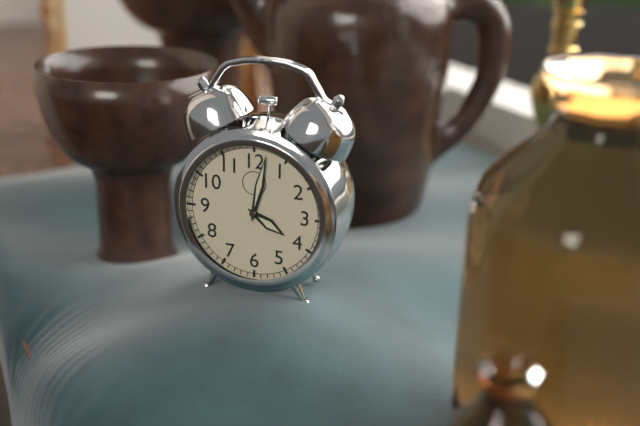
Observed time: 4:02
